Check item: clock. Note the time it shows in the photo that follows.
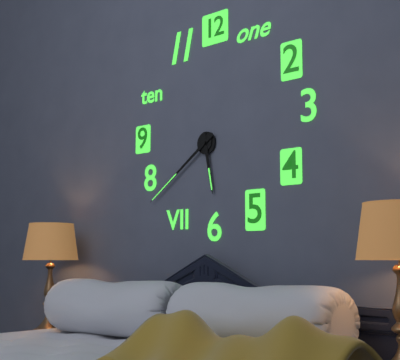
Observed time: 5:39
